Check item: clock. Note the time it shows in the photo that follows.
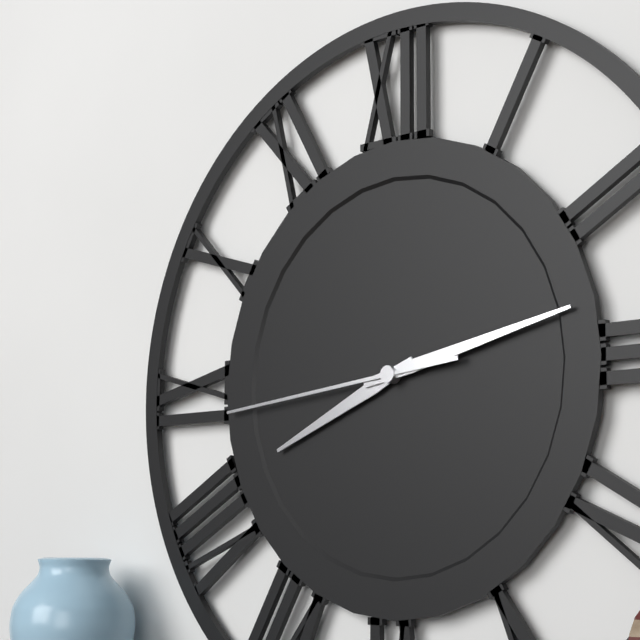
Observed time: 8:13:44
